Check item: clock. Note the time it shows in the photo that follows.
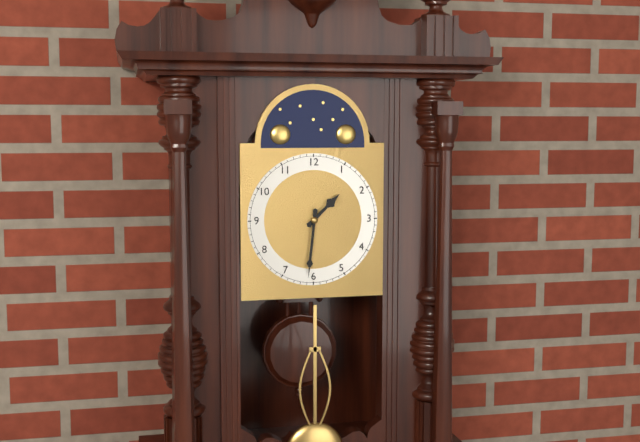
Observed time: 1:31
